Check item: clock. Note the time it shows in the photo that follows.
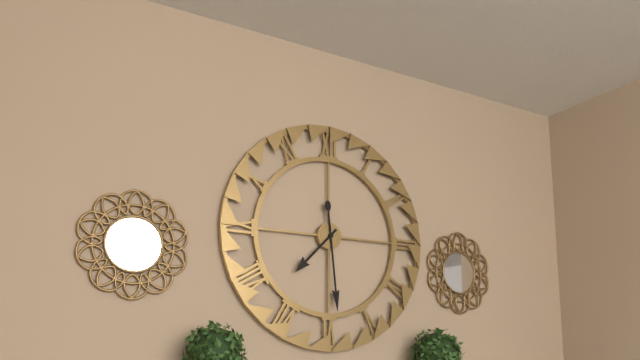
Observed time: 7:29
